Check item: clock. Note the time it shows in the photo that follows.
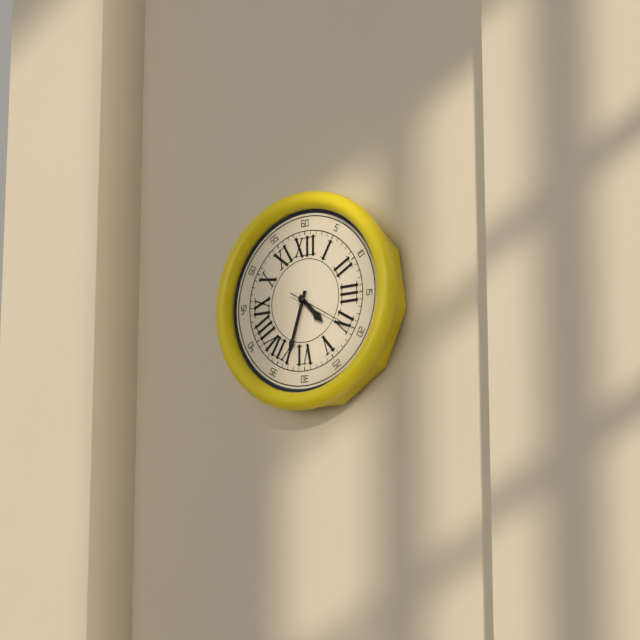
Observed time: 4:33
